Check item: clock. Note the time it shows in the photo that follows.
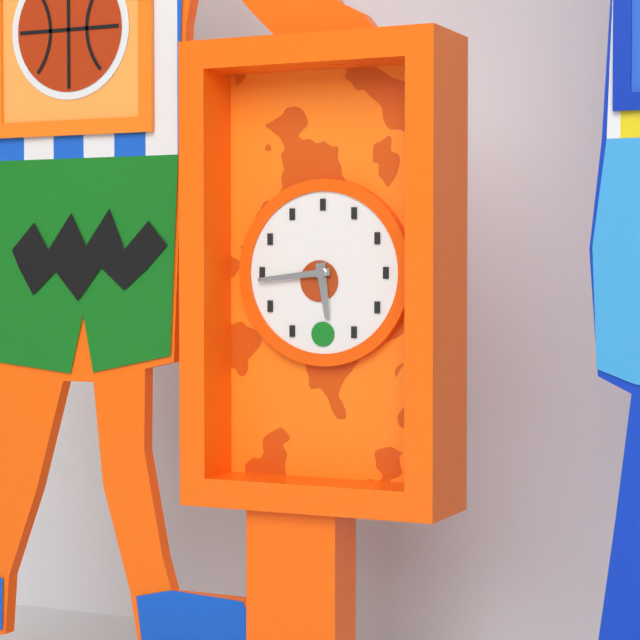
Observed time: 5:44
